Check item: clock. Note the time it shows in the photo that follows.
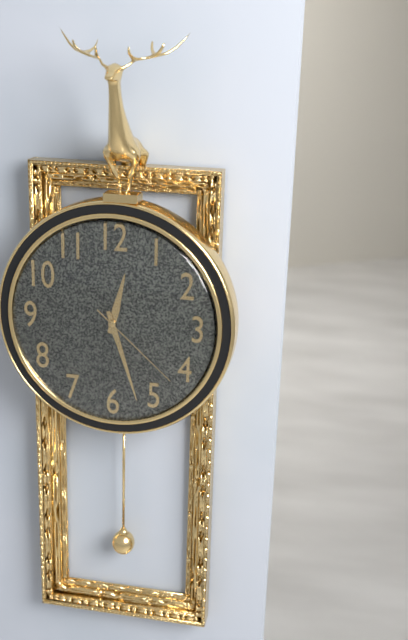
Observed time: 12:27:22
